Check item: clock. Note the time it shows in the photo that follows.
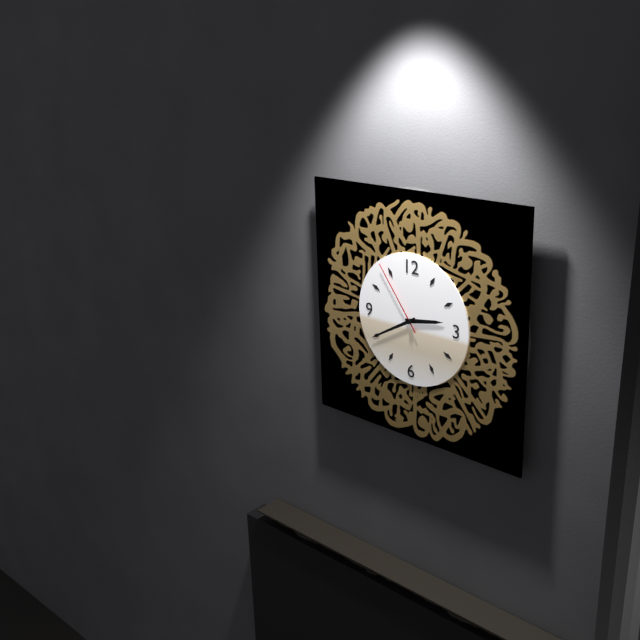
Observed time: 2:40:54
